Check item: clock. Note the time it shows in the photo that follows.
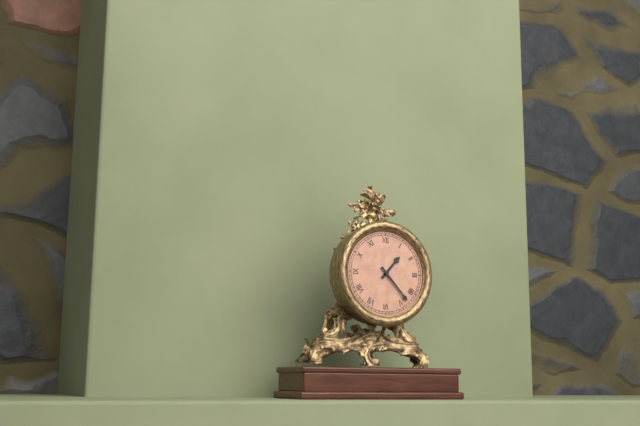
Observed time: 1:23
